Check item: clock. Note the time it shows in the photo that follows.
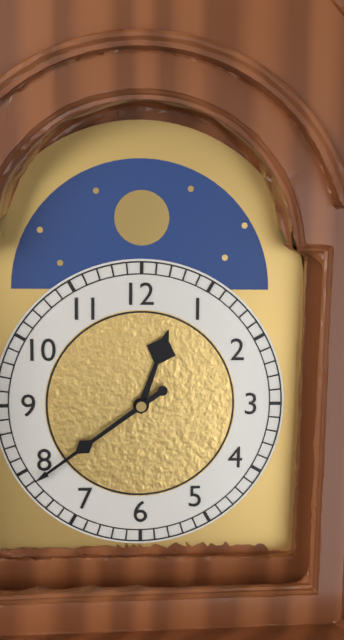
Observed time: 12:39
